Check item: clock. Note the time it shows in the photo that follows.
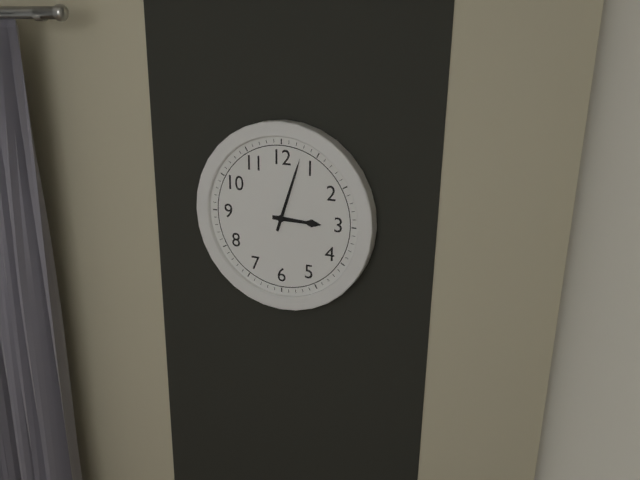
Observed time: 3:03
